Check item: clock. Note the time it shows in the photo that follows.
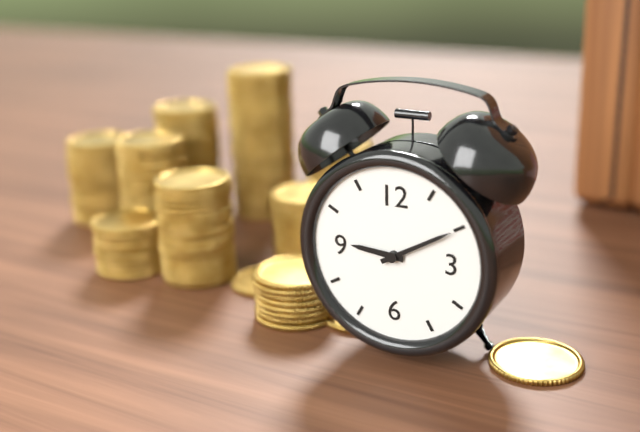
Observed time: 9:10
